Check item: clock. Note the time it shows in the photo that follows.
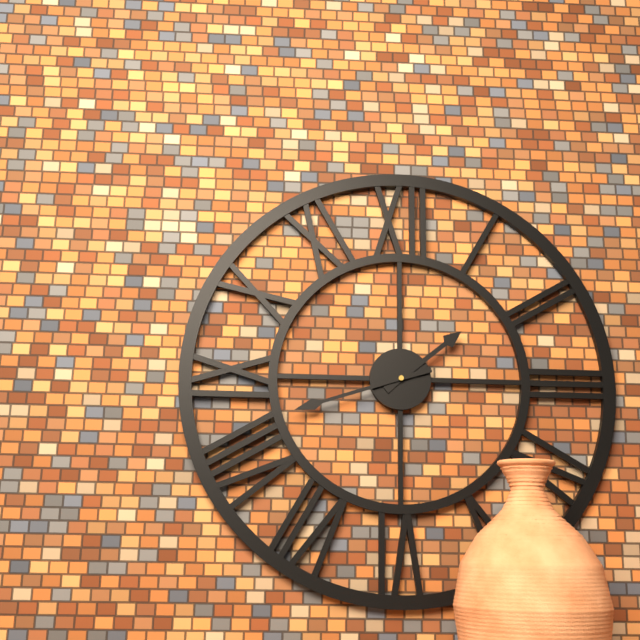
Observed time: 1:42
